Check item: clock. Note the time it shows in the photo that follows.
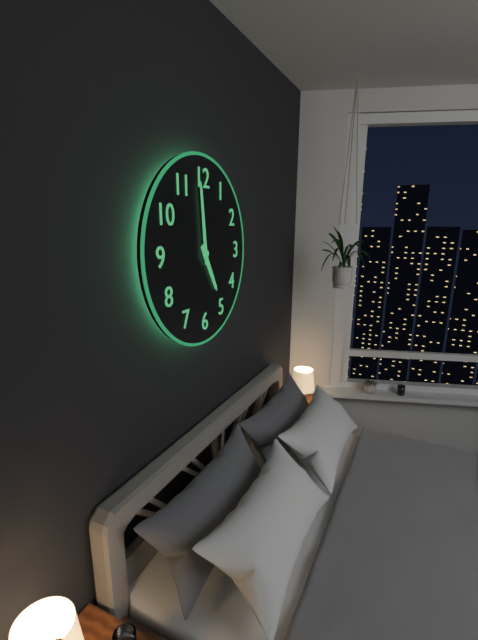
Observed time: 4:59
